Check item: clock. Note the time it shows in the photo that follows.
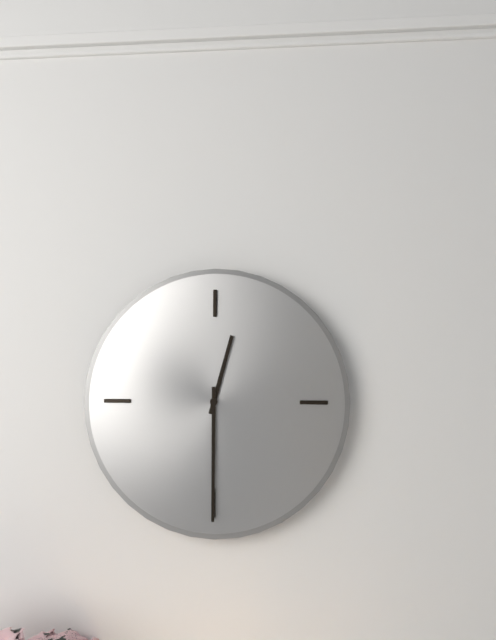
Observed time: 12:30
